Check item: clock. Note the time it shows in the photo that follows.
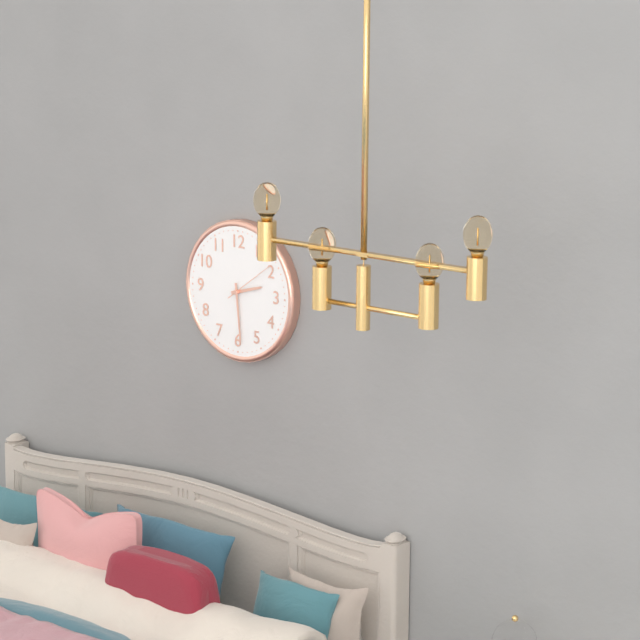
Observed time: 2:29:09
